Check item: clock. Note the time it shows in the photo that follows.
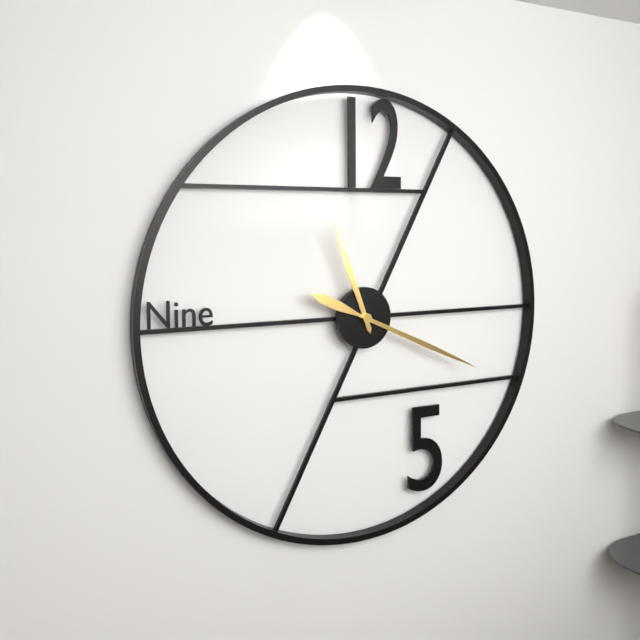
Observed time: 11:19
